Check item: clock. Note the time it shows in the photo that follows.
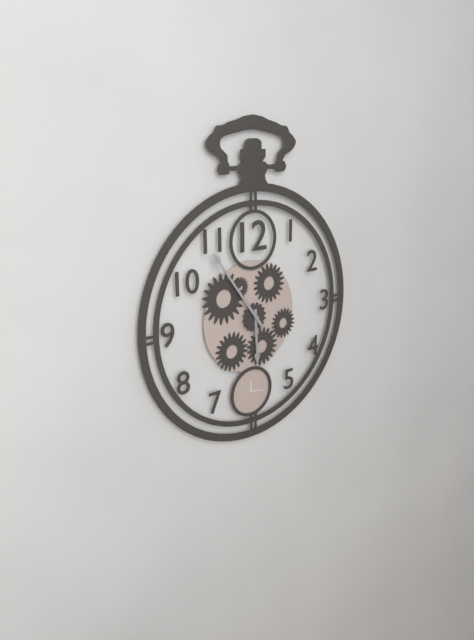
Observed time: 5:54
